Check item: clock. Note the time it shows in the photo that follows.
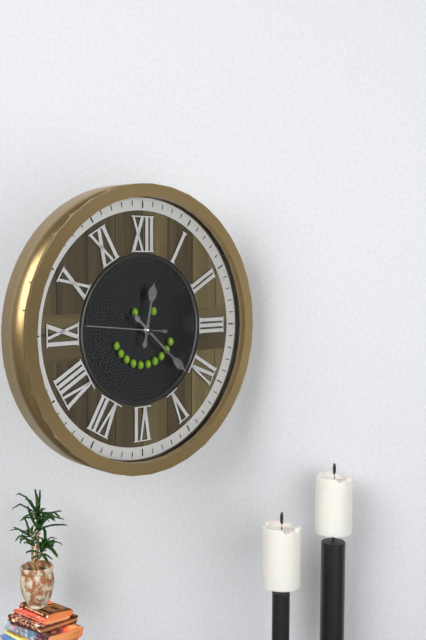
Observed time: 12:22:46
